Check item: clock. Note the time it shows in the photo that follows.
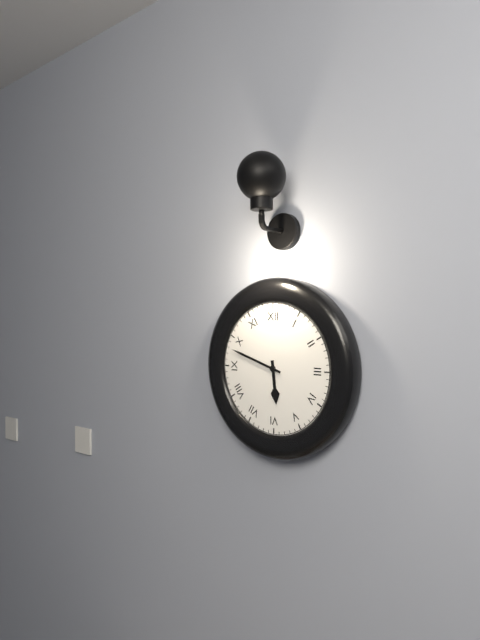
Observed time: 5:48
